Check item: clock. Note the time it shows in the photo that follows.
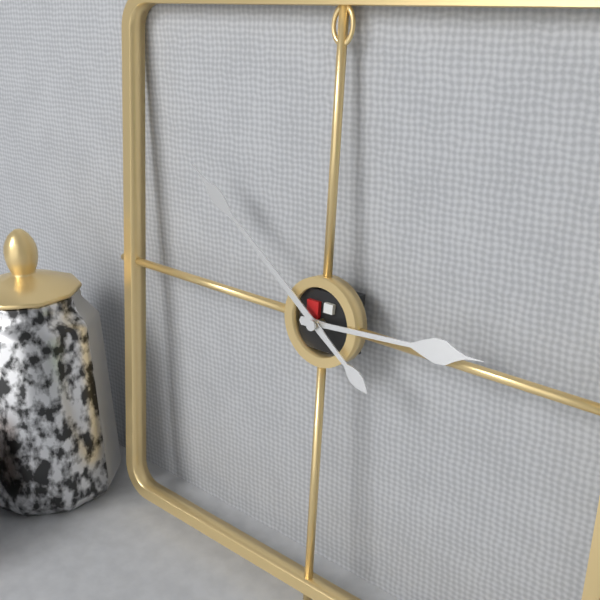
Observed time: 2:51
